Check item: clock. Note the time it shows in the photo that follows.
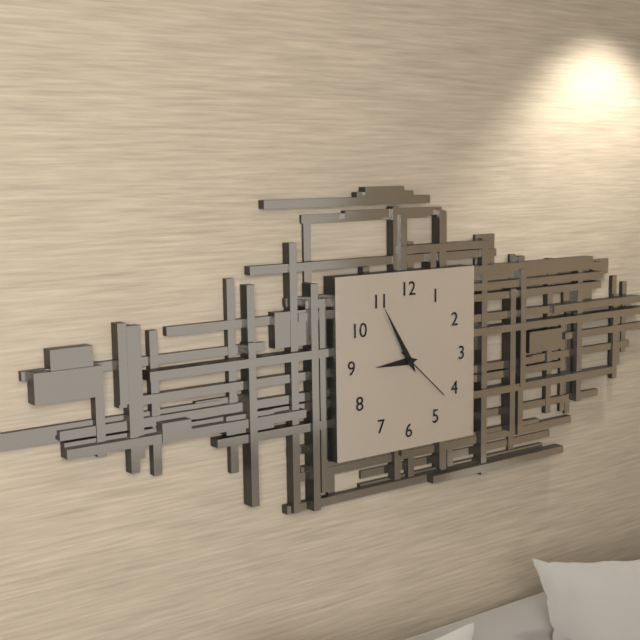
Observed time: 8:55:22
